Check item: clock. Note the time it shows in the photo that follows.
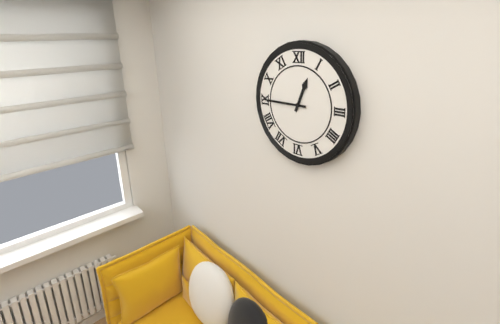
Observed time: 12:45
